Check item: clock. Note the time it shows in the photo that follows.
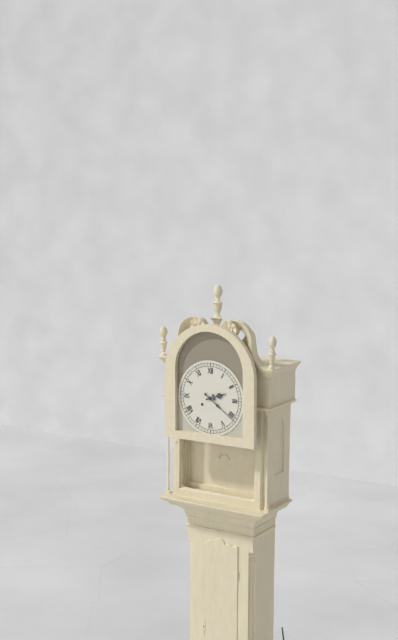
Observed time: 2:21
